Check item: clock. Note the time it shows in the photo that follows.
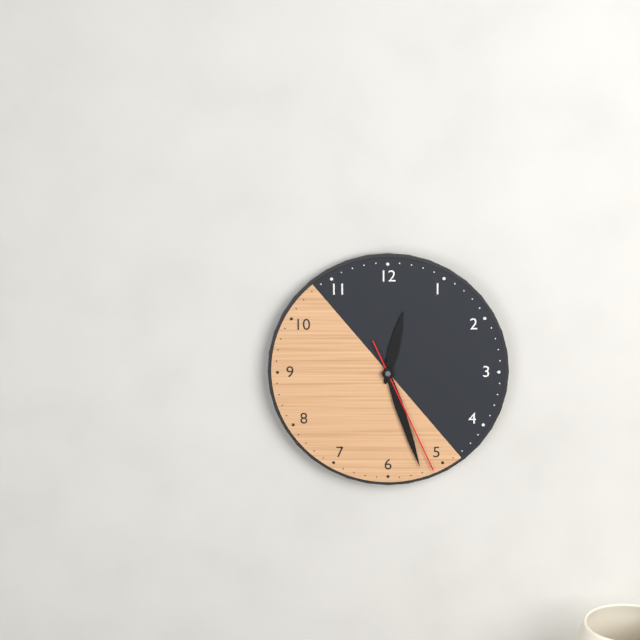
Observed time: 12:27:26
